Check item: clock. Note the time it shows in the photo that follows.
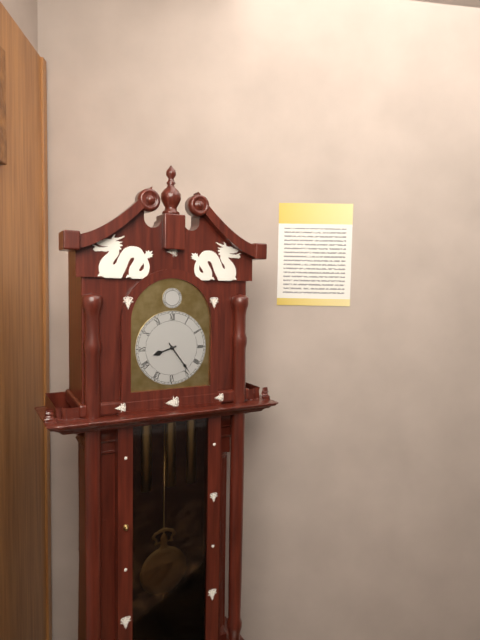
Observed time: 8:24
